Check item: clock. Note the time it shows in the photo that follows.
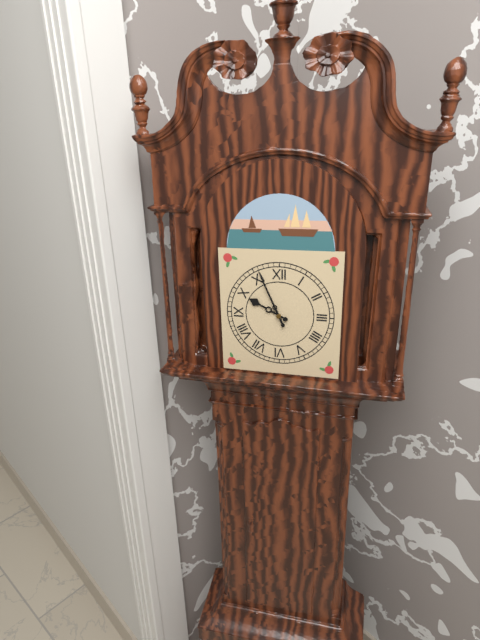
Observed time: 9:56
